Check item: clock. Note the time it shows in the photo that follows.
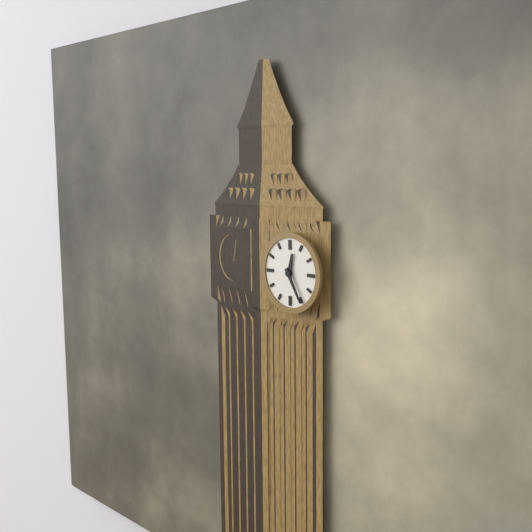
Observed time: 12:25
